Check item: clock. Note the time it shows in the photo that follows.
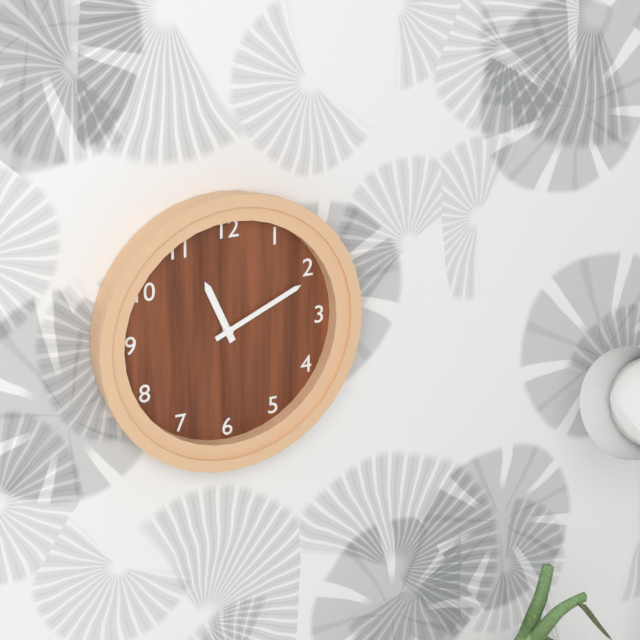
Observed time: 11:11
